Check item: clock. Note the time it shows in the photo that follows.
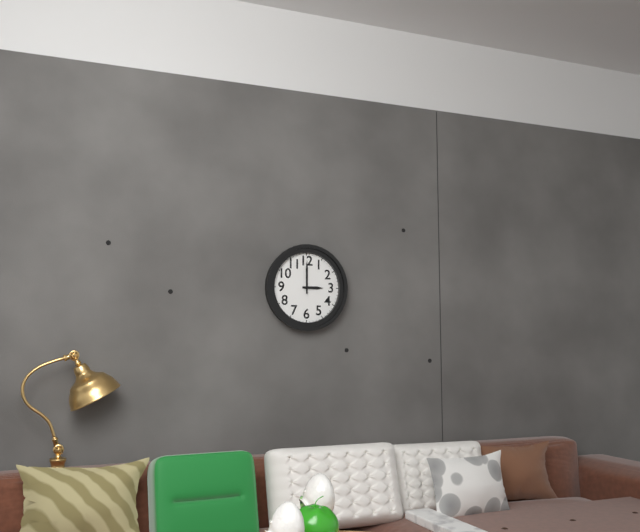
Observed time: 3:00
